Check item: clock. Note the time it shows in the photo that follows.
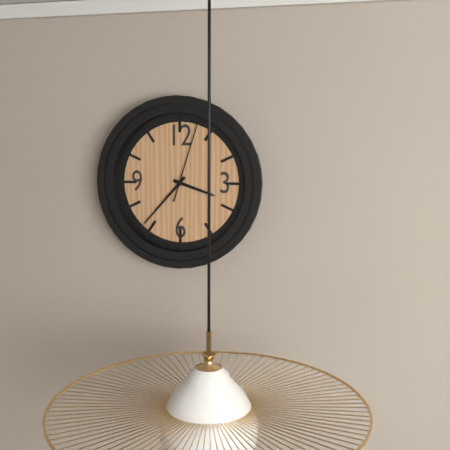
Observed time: 3:37:03
